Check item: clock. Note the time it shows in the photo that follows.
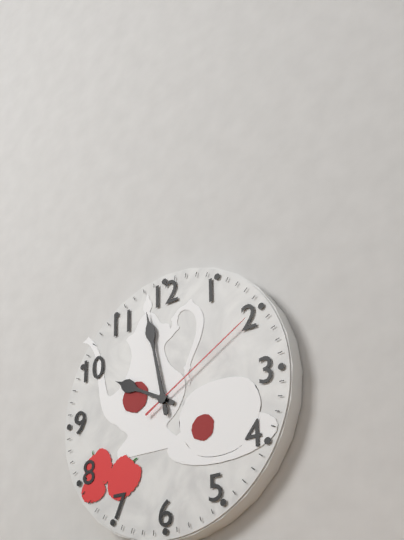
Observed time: 9:58:10
